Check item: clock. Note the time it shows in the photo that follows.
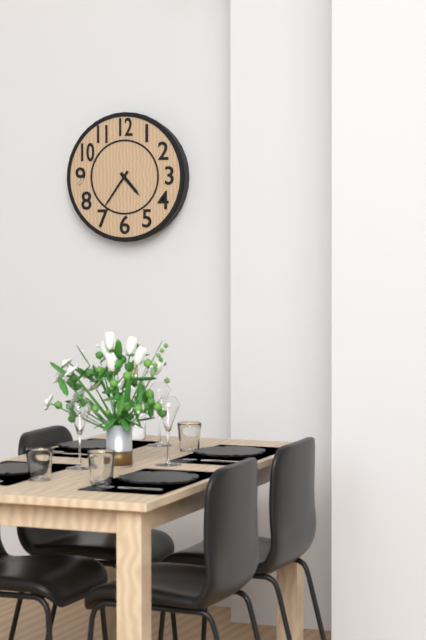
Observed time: 4:36
